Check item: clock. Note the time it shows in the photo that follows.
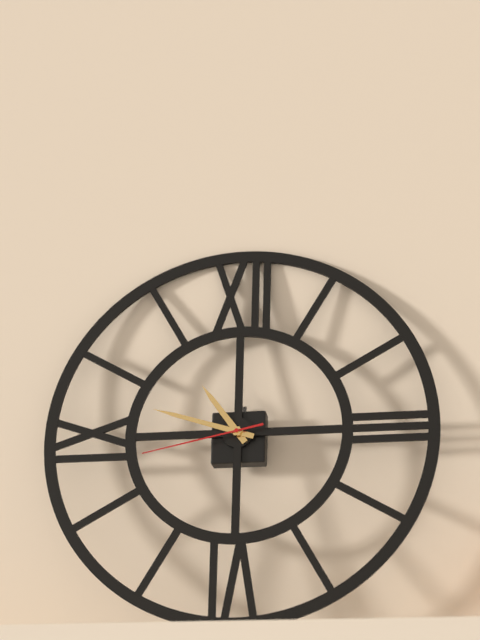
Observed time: 10:48:43
